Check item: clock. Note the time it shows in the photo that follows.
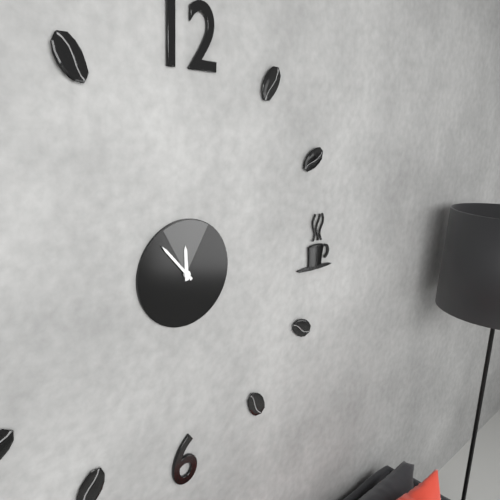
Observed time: 11:53
